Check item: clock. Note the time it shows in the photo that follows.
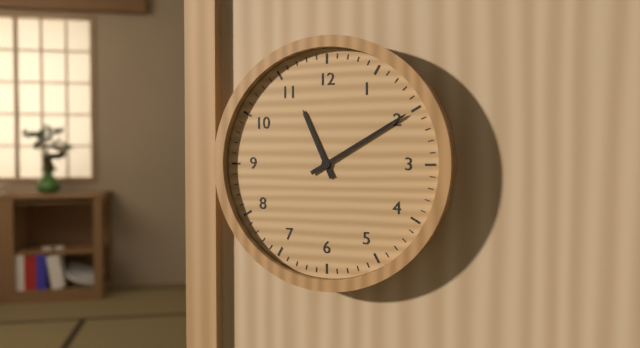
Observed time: 11:10
